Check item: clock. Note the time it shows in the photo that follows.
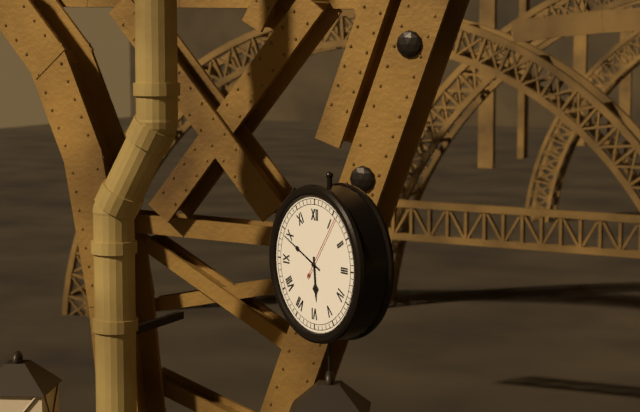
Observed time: 5:49:06
